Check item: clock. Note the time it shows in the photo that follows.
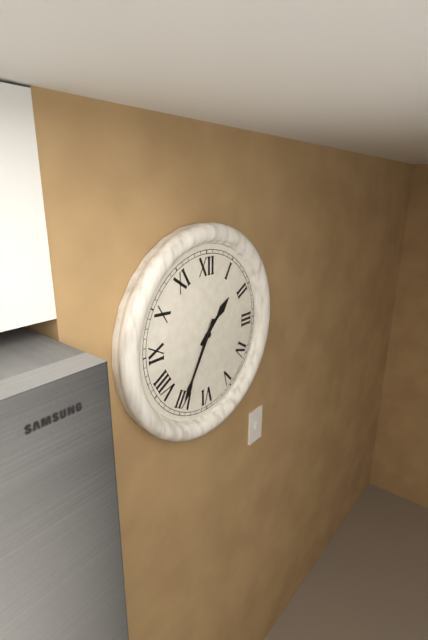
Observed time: 1:35
